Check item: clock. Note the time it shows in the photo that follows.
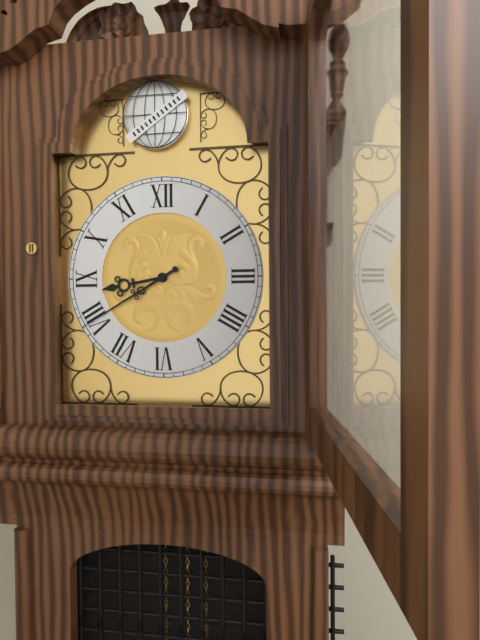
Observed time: 8:40
